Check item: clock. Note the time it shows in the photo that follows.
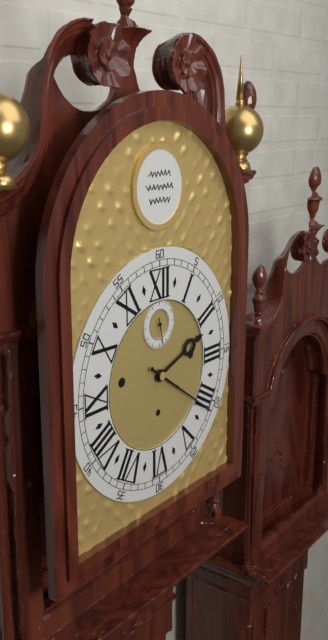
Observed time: 2:21
